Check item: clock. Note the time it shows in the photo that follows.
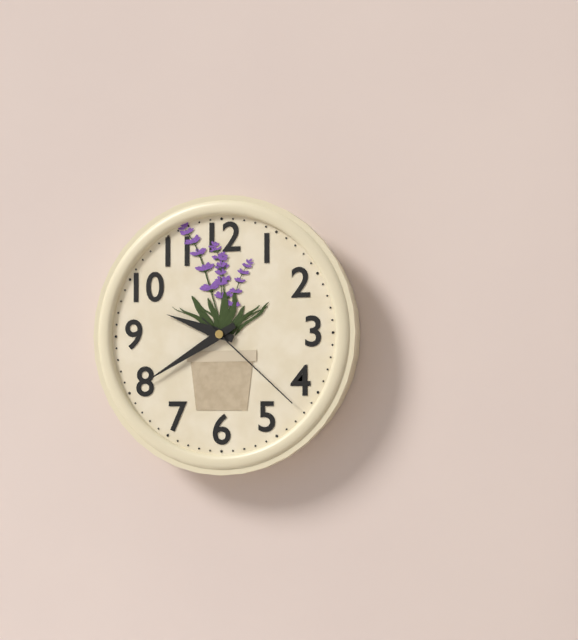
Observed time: 9:40:22
